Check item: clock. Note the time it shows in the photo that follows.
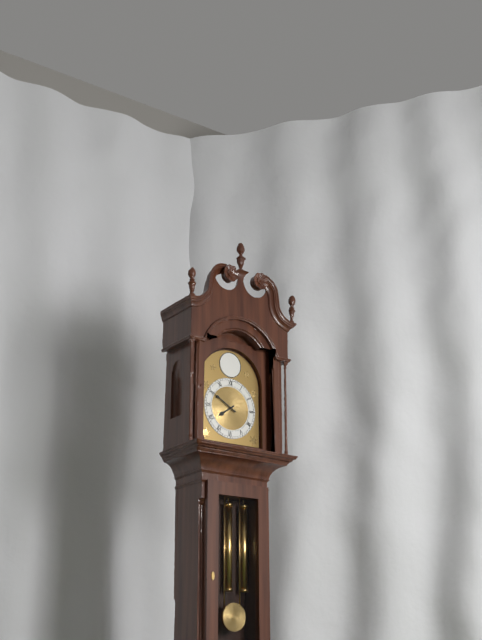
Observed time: 7:50
